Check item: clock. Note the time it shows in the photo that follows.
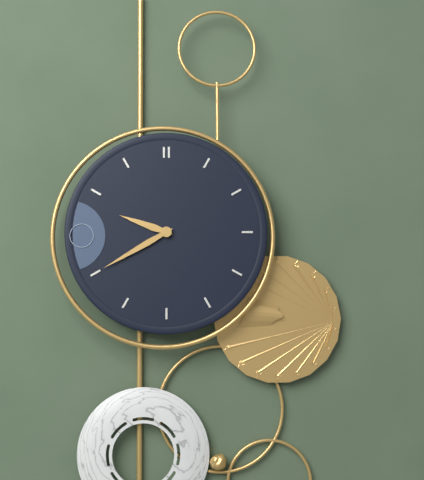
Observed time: 9:40
